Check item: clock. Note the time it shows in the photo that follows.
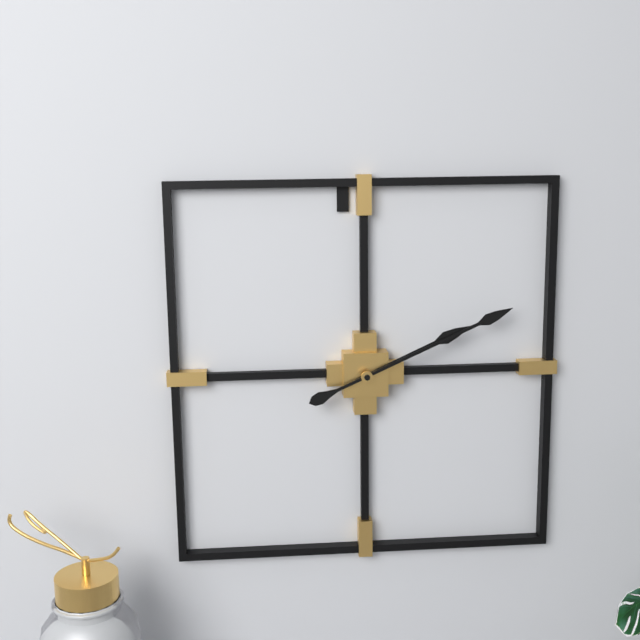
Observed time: 2:11
